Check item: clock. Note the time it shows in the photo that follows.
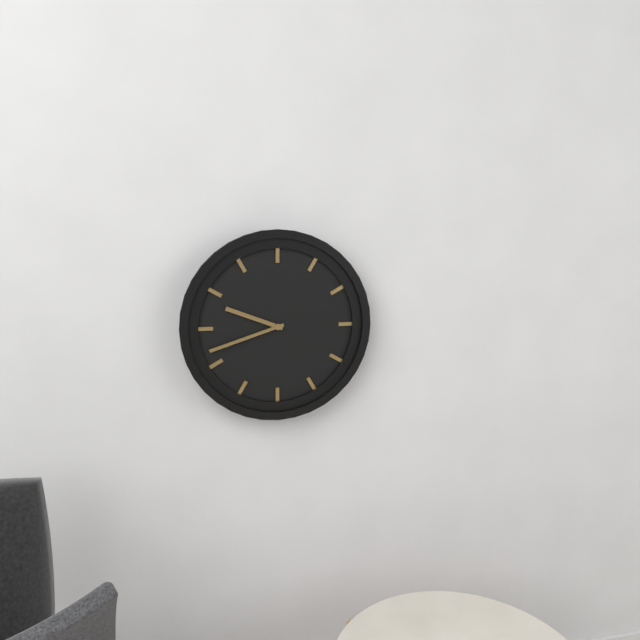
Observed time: 9:42
